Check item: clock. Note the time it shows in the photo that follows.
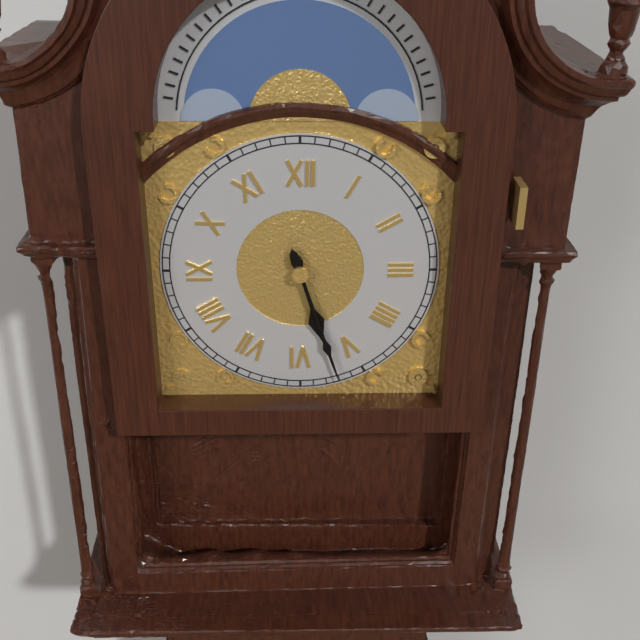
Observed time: 5:27
